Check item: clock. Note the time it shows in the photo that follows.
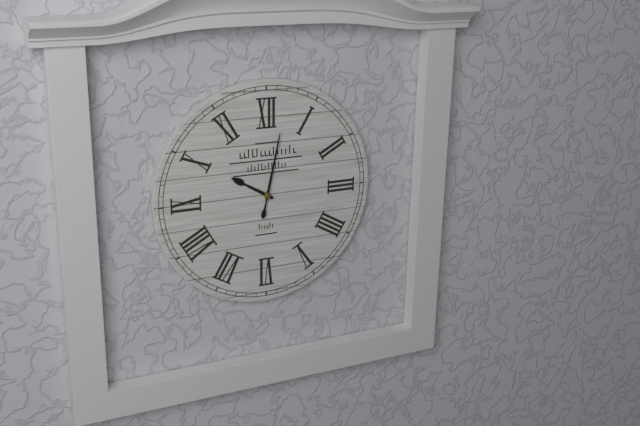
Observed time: 10:02
